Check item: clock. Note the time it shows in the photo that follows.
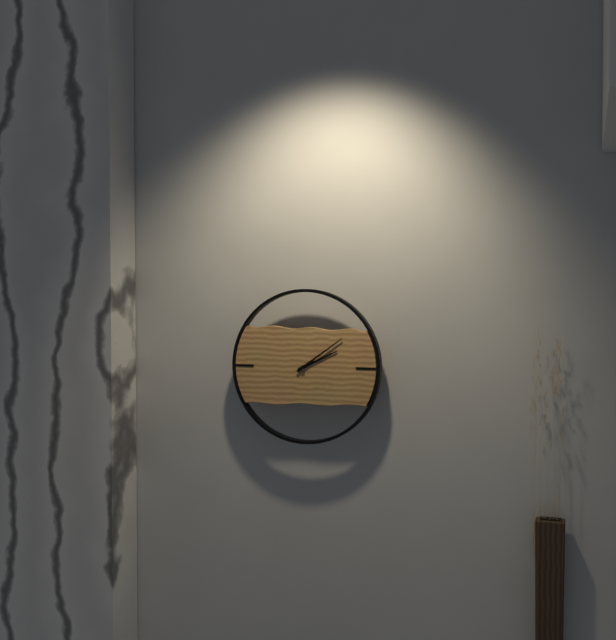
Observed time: 2:09
